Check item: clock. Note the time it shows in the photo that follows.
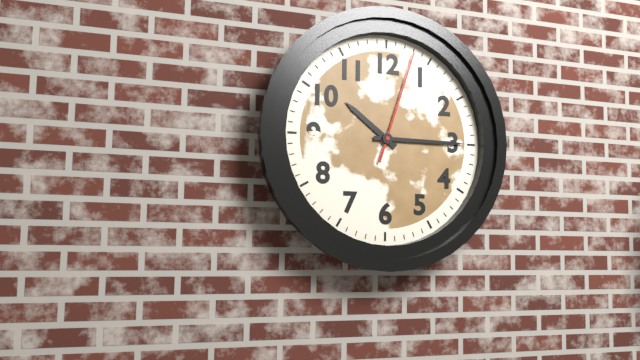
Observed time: 10:15:03
